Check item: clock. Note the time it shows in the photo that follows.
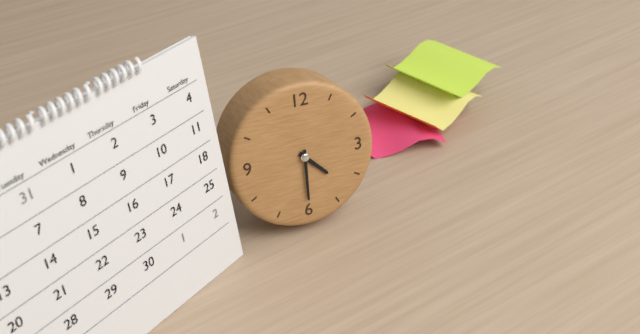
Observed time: 4:30
